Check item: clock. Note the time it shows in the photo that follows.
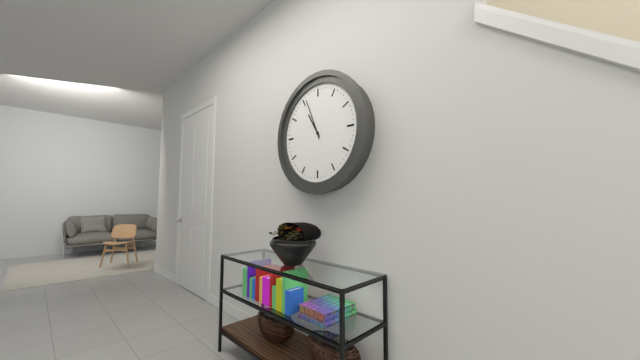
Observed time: 10:56
